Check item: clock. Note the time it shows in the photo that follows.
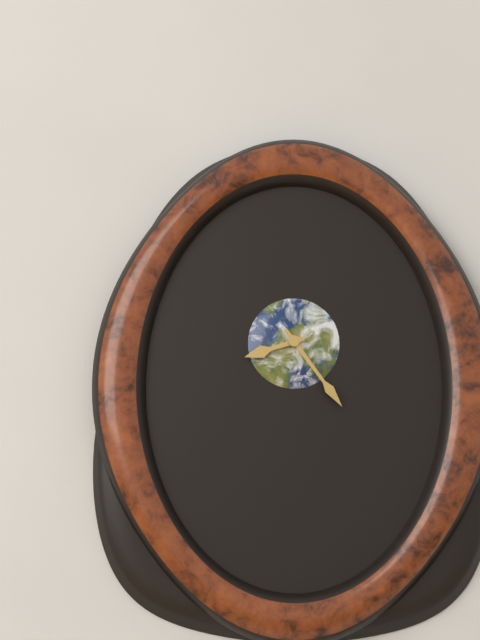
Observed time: 8:24
